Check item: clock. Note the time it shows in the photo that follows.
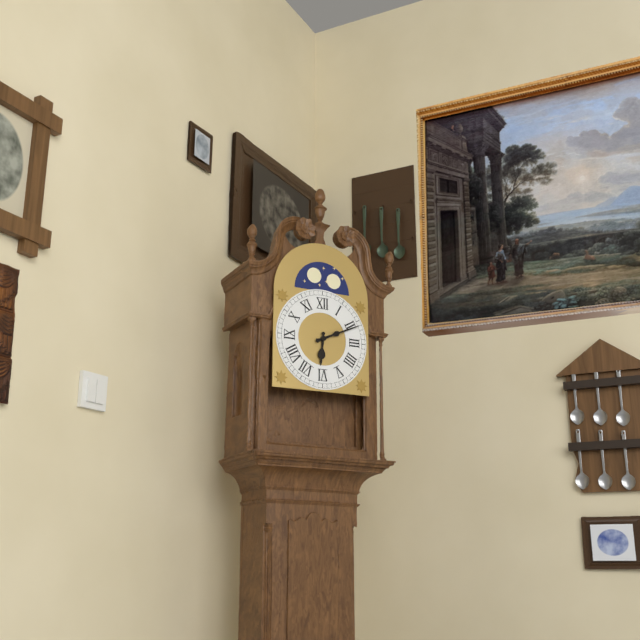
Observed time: 6:11
